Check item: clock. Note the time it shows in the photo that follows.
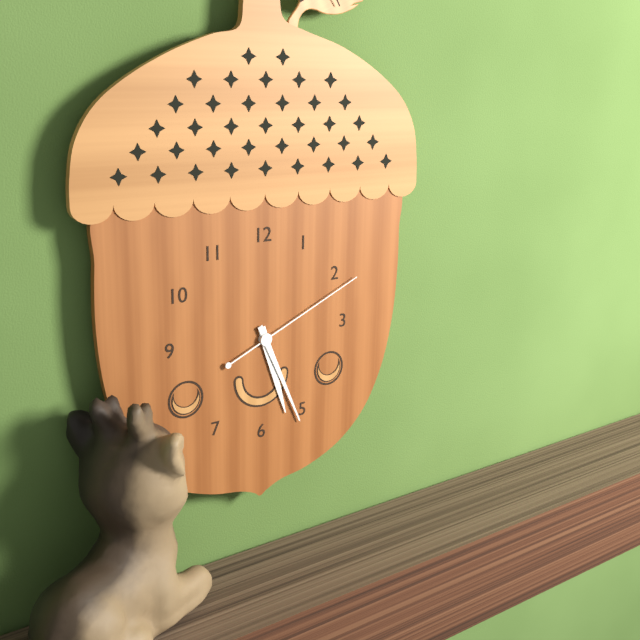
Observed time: 5:26:11
